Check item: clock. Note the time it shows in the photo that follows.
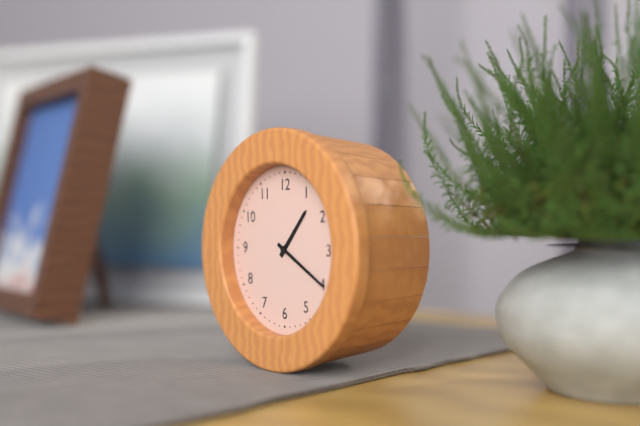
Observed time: 1:20
